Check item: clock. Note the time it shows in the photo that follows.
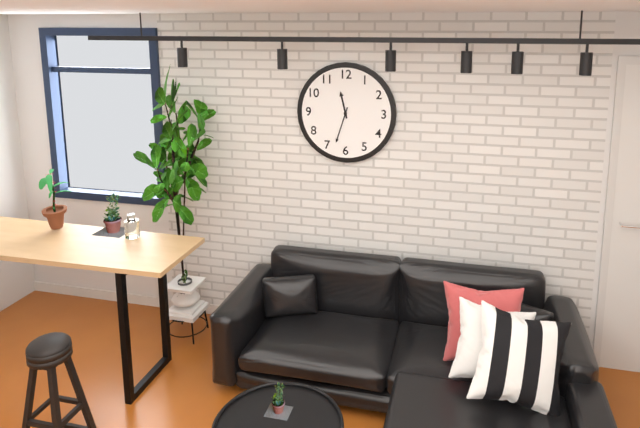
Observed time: 11:33
